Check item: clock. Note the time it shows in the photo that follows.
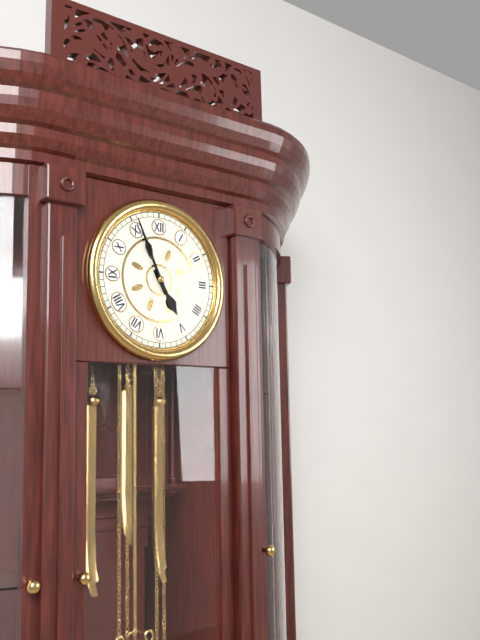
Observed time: 4:56
